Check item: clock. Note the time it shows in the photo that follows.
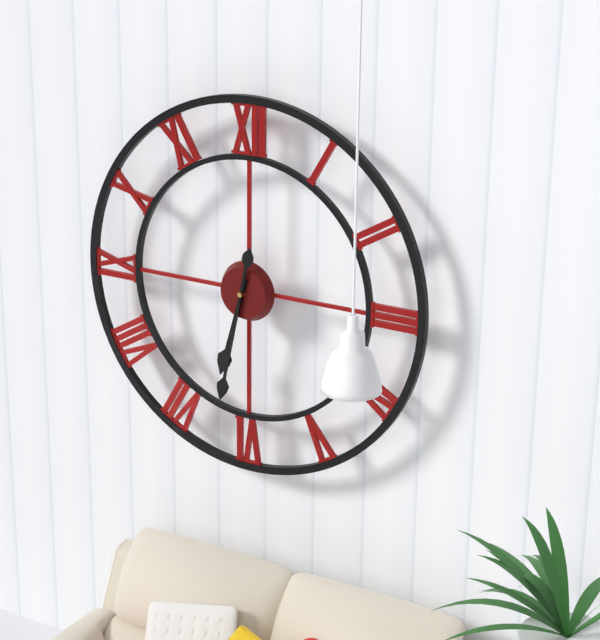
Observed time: 6:32
